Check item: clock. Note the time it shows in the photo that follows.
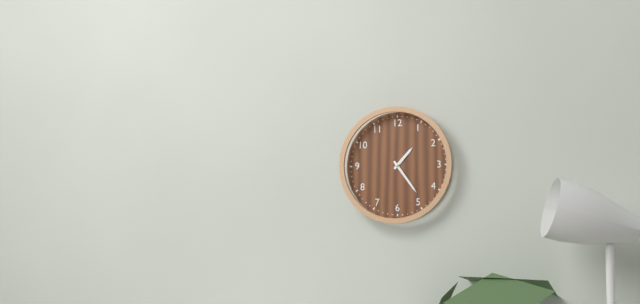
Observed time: 1:24
